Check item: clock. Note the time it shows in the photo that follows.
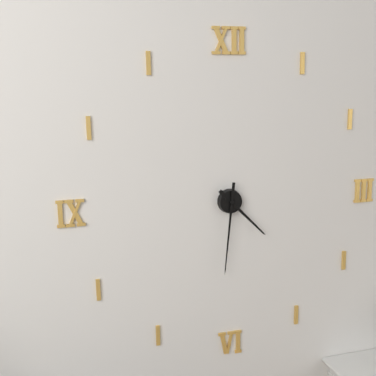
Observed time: 4:31
